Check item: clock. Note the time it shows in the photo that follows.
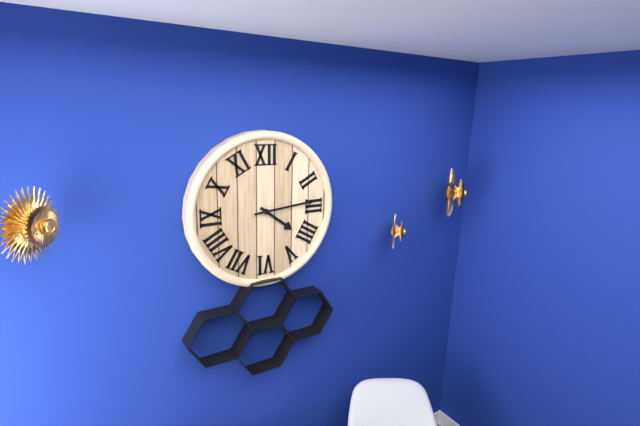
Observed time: 4:14
